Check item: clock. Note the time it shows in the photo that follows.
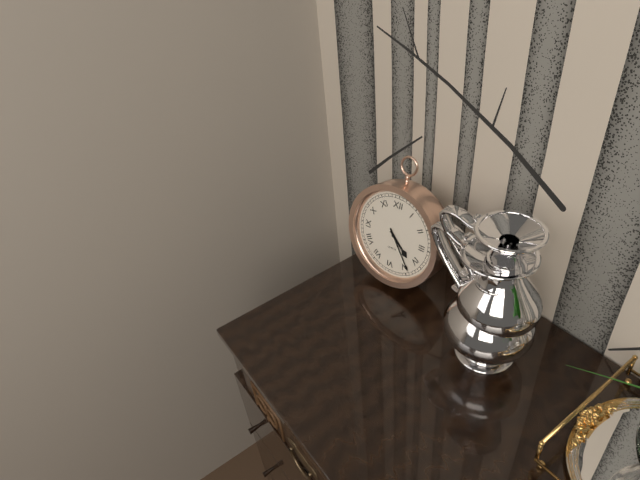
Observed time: 4:24
